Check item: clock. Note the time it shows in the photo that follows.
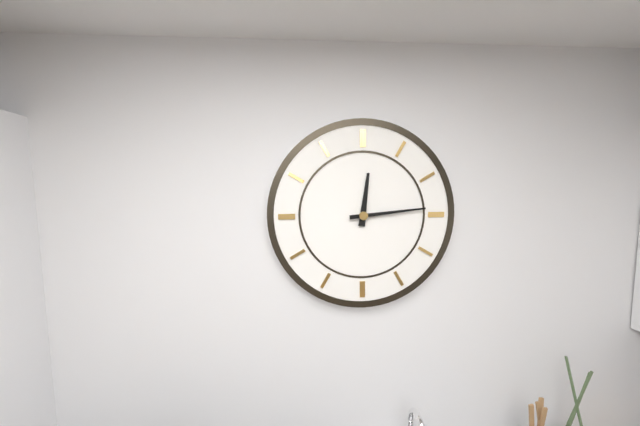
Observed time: 12:14
